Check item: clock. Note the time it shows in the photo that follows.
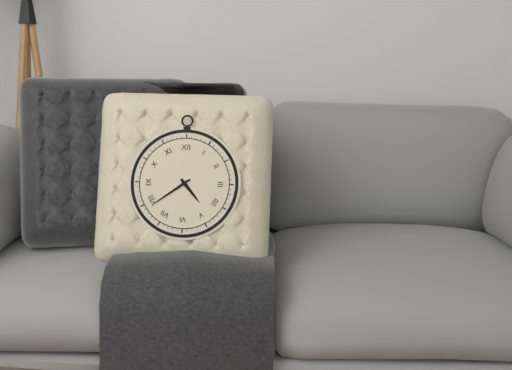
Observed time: 4:39
